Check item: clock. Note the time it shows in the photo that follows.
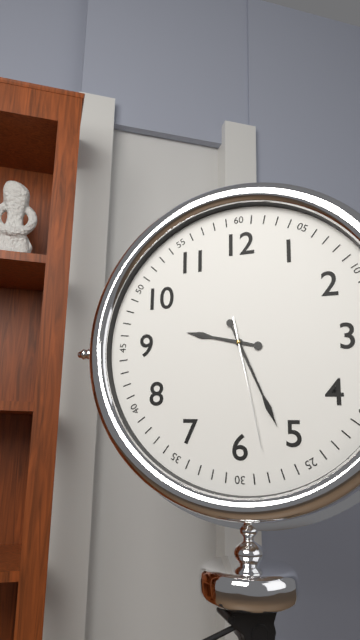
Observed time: 9:26:28
